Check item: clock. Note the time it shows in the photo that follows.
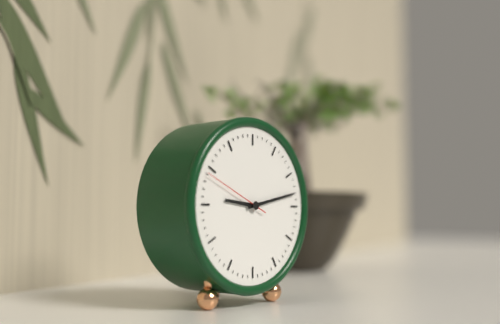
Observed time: 9:13:49
